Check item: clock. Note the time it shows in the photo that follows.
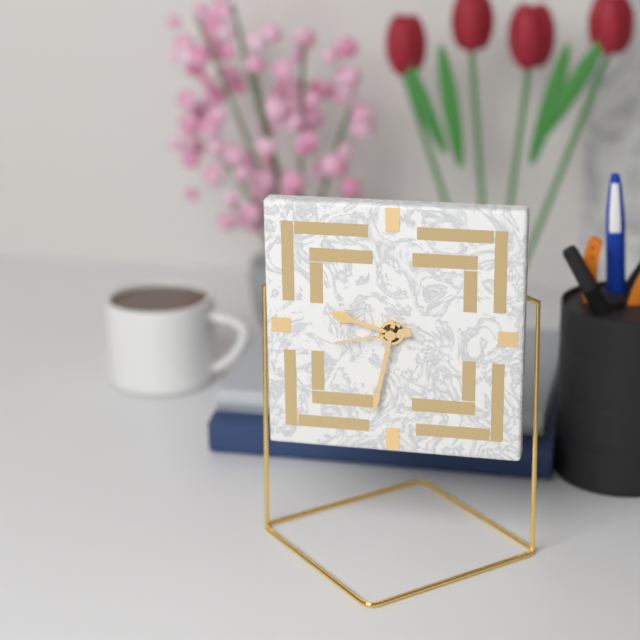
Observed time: 9:32:43
